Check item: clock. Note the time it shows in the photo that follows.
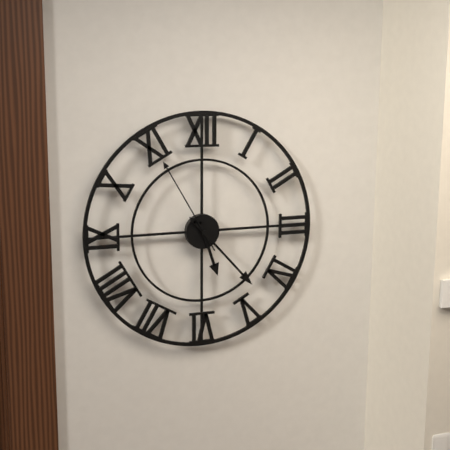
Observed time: 5:23:55
